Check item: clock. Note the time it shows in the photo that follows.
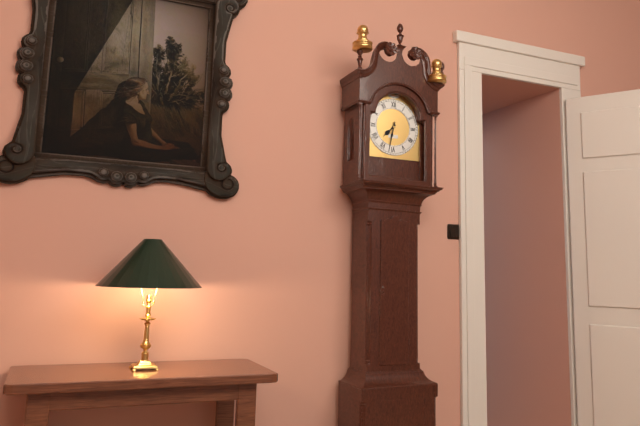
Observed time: 7:32
